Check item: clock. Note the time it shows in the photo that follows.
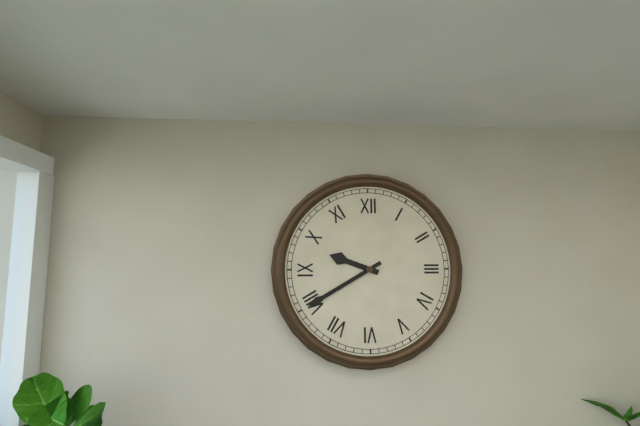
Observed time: 9:40
